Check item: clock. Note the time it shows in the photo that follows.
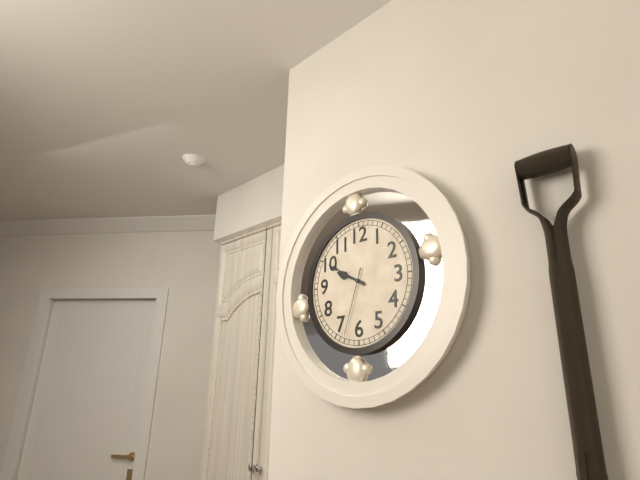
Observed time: 9:50:33
